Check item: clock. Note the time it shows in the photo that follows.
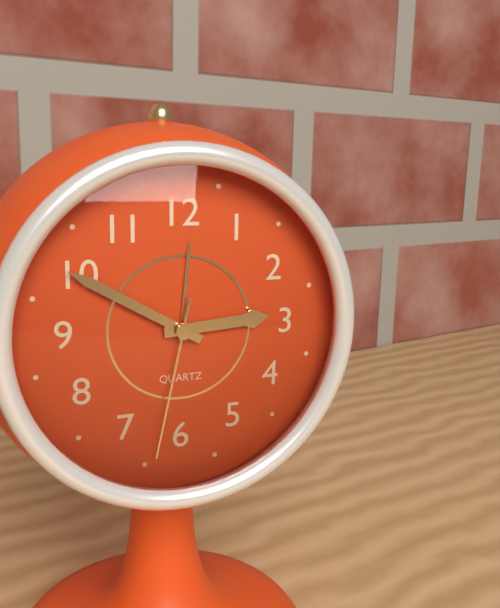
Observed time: 2:50:32
